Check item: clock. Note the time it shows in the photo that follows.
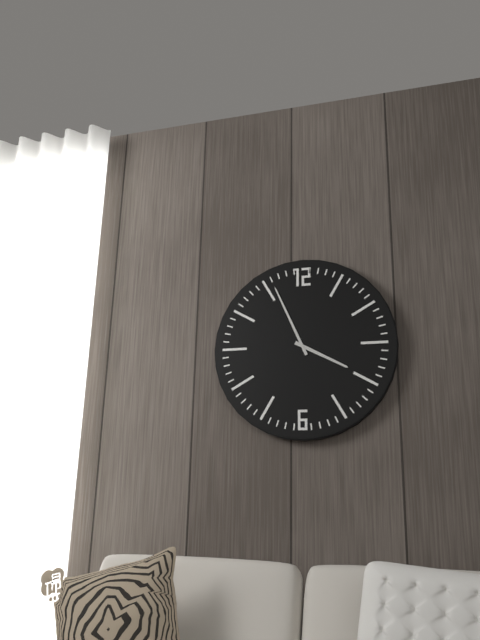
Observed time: 3:56
